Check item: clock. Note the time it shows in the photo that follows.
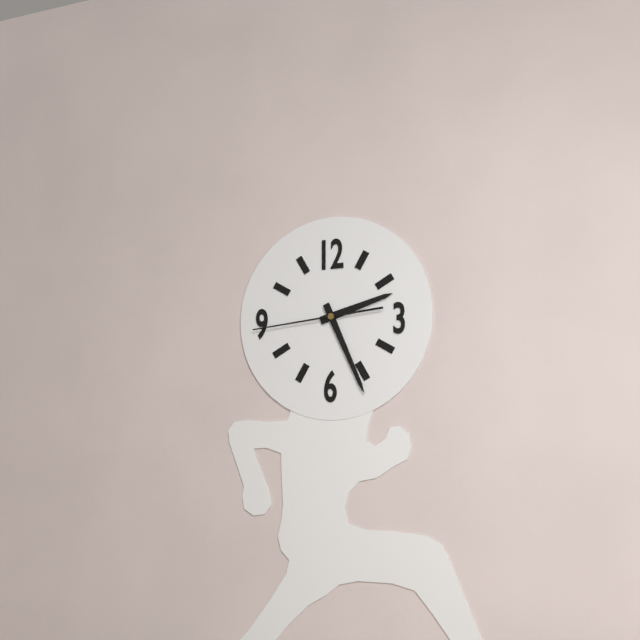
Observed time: 2:26:44
